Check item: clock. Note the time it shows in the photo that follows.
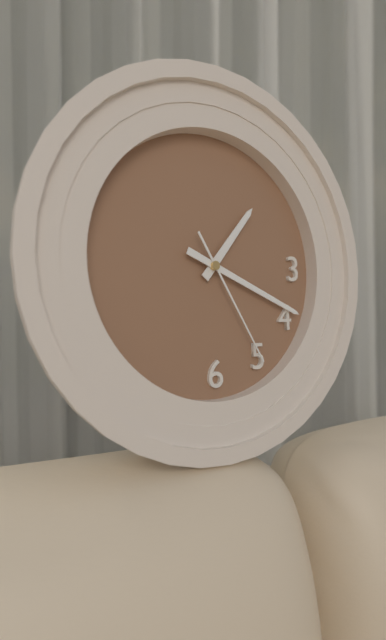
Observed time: 1:19:25
